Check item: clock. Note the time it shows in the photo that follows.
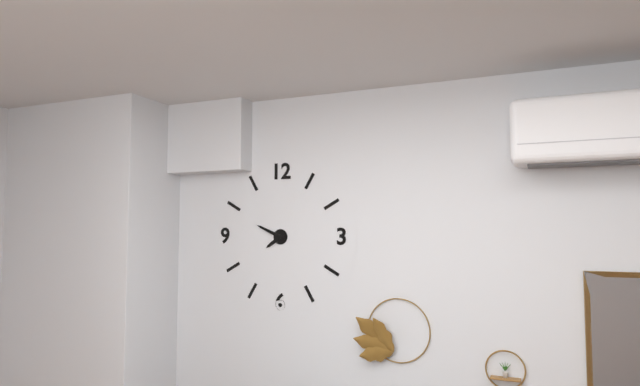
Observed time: 7:49
